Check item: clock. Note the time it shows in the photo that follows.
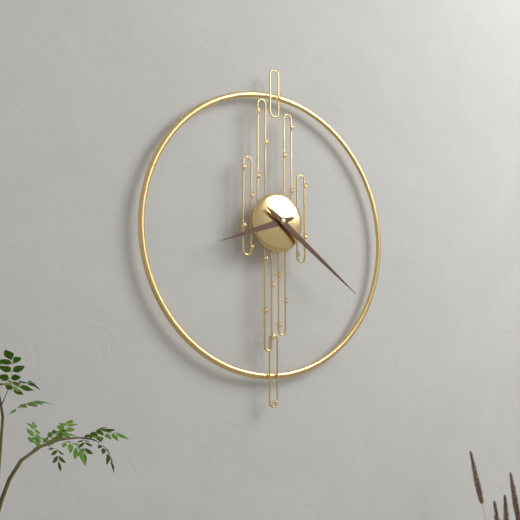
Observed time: 8:21
